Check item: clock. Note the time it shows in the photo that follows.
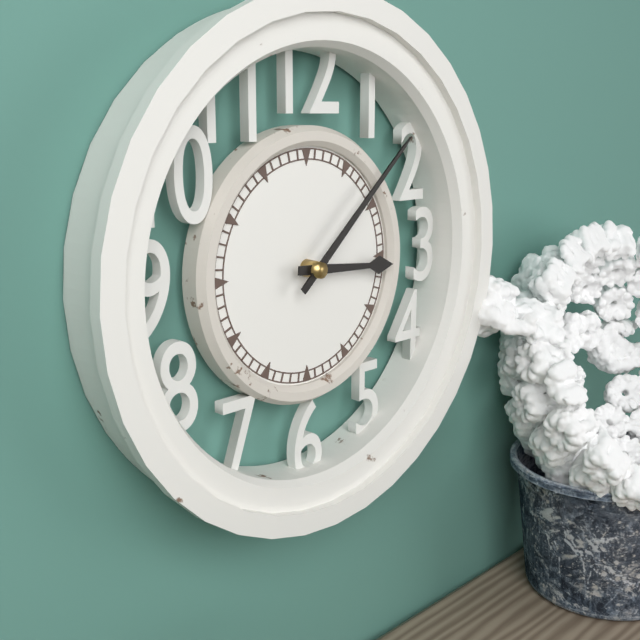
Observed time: 3:08
